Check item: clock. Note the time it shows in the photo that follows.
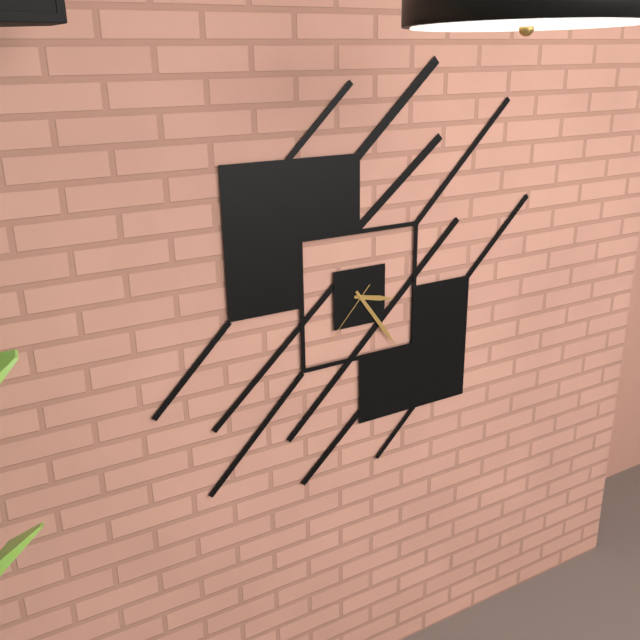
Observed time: 3:24:37
